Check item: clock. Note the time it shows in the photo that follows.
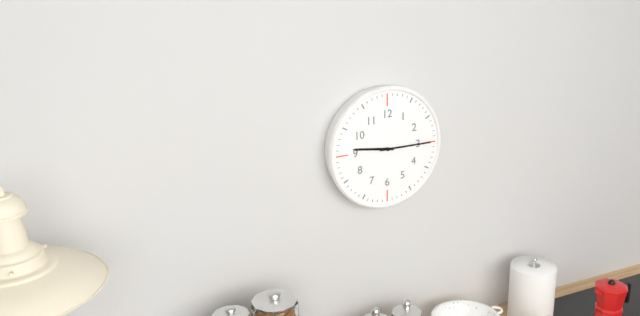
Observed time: 9:15
